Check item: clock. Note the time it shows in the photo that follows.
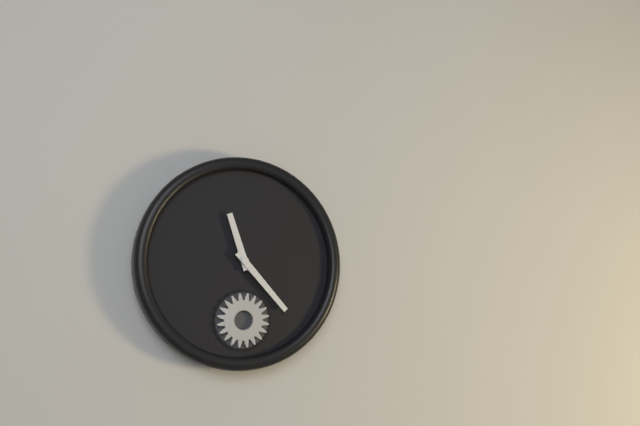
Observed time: 11:23
